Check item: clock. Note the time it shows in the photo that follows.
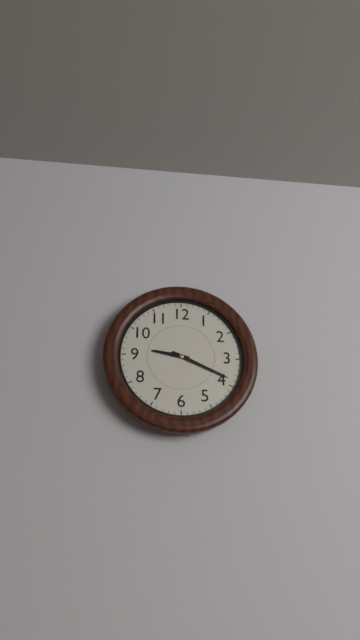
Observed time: 9:19
